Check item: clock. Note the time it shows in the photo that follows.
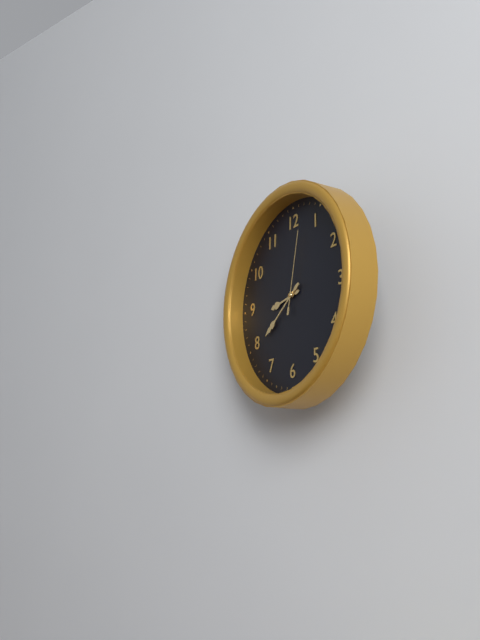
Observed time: 8:39:02
